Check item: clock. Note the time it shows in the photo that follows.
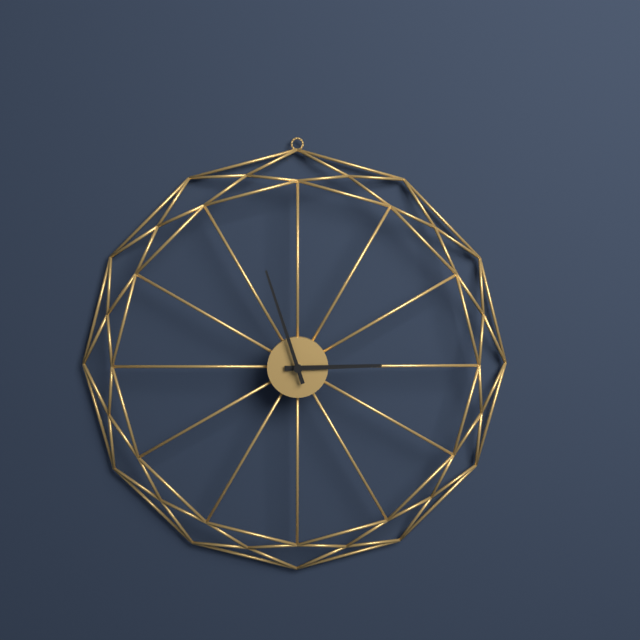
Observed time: 2:57
